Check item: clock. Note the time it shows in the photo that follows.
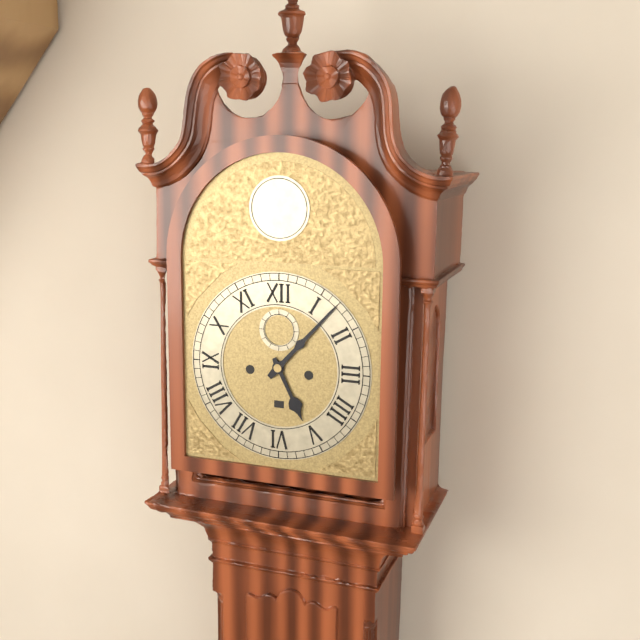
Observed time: 5:07
